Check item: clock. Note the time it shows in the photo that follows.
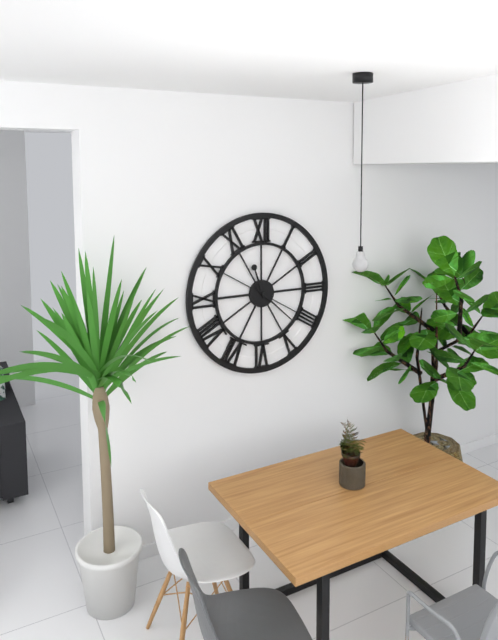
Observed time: 11:22
